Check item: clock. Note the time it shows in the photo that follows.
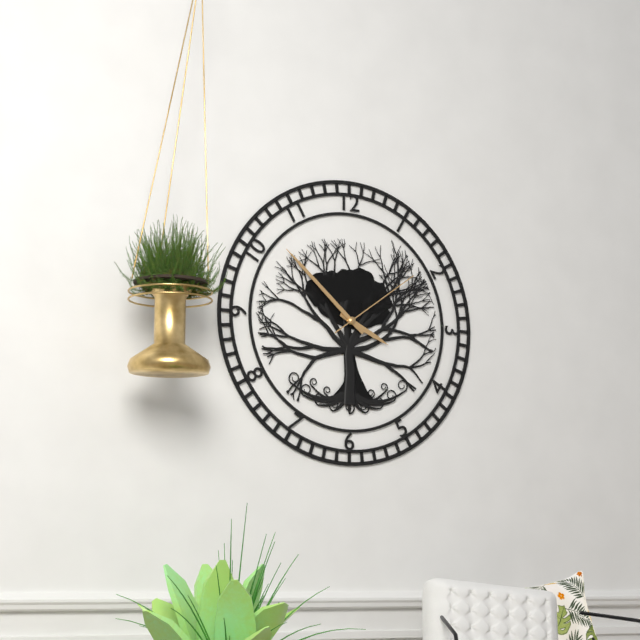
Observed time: 3:52:09
